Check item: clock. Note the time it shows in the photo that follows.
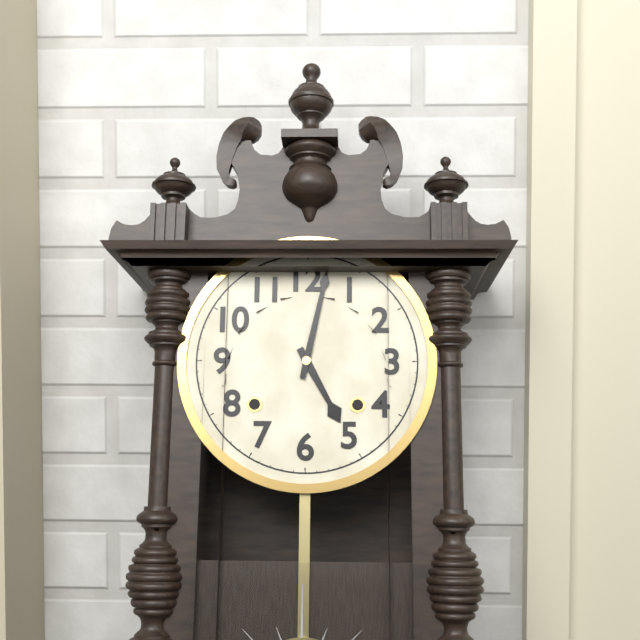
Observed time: 5:02
